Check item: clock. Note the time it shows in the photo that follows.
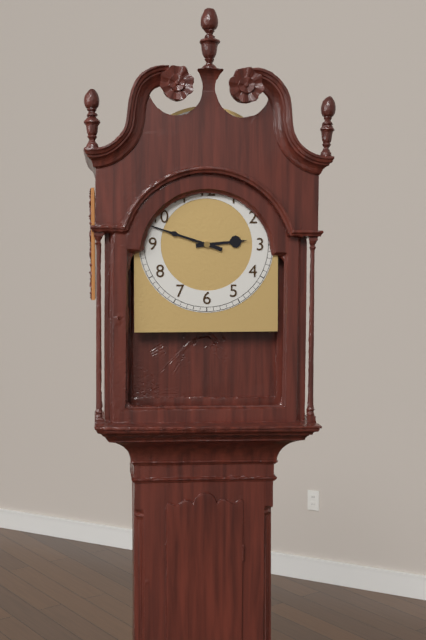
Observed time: 2:48
